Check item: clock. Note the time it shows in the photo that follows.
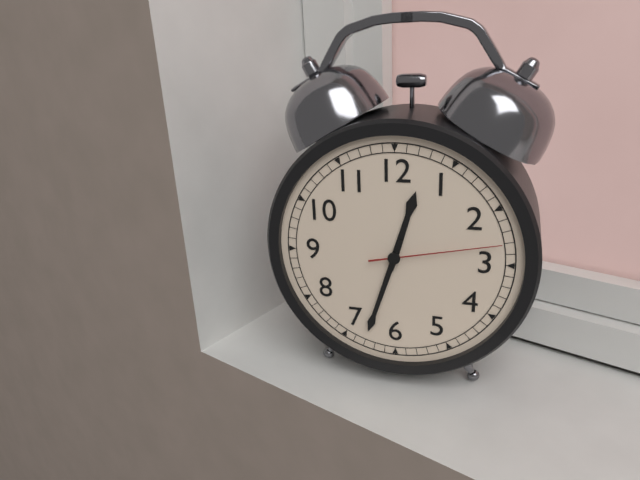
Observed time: 12:33:13
